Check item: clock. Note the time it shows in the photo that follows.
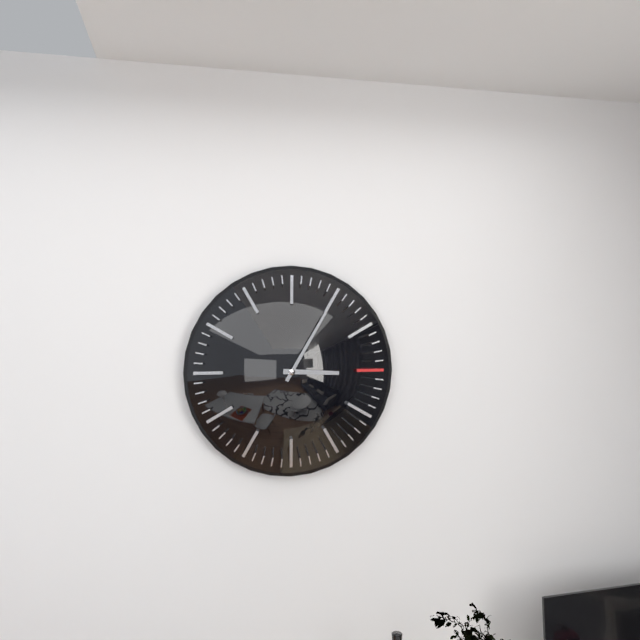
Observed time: 3:05
